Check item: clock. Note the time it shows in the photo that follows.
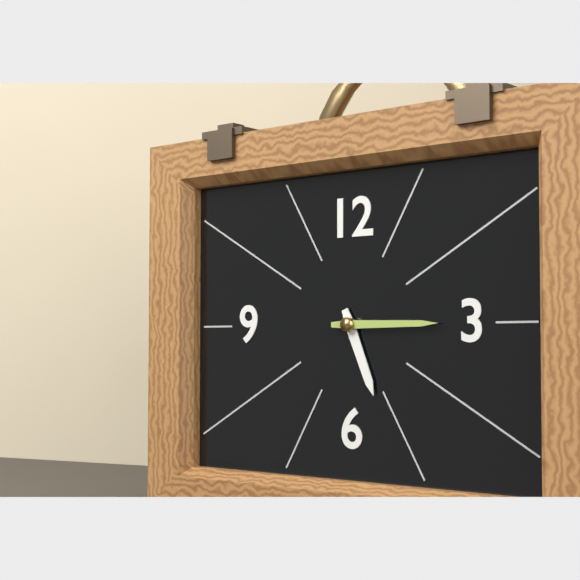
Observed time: 5:15
